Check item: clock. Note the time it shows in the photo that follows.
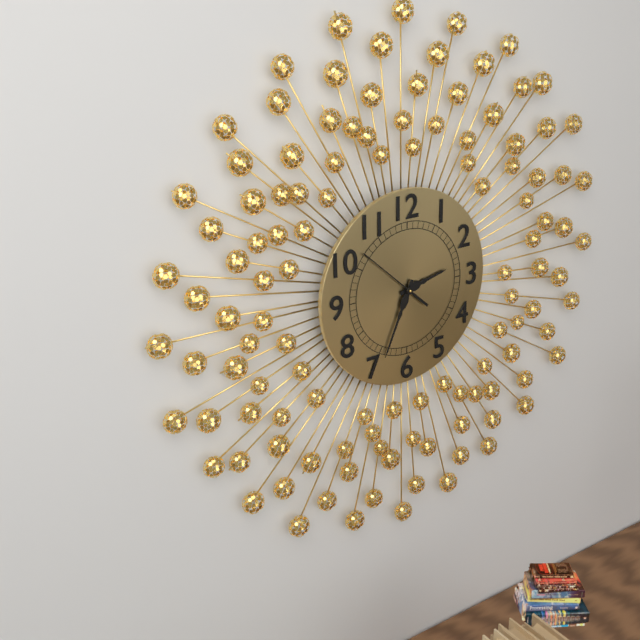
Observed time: 2:34:52
